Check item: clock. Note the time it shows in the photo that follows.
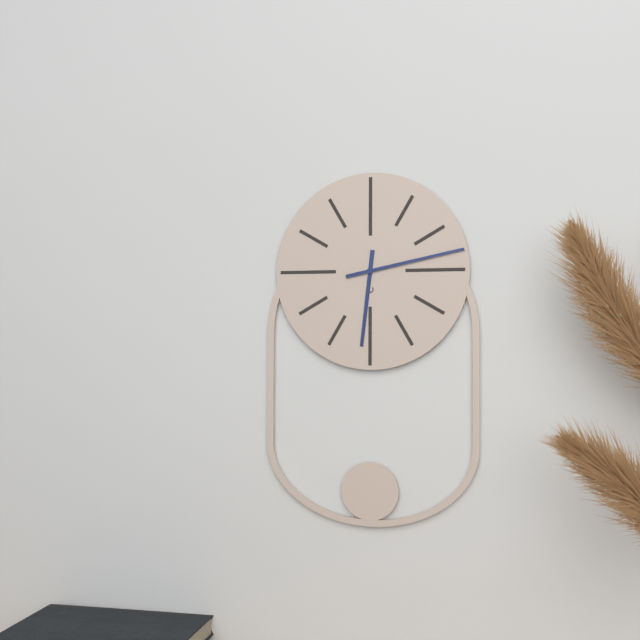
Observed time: 6:13
